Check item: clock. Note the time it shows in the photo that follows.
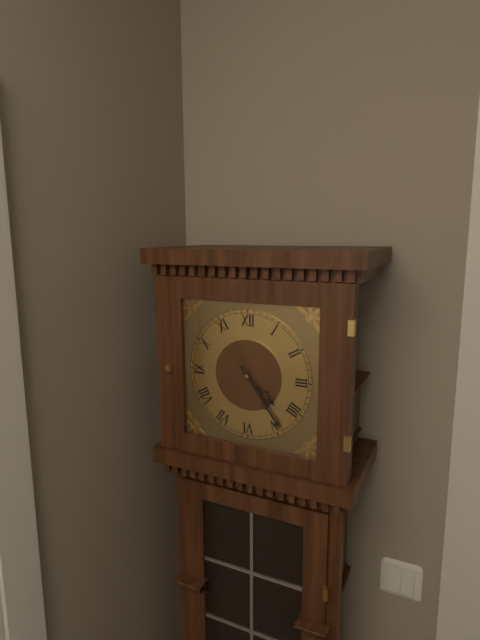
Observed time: 4:24
